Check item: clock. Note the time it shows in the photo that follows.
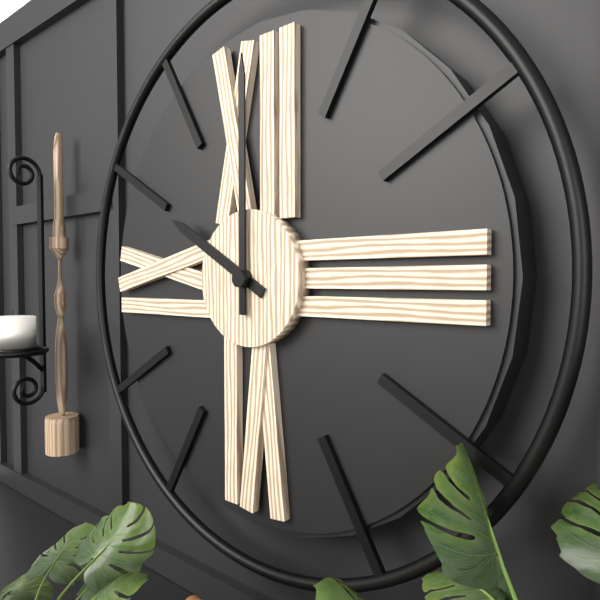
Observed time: 10:00
